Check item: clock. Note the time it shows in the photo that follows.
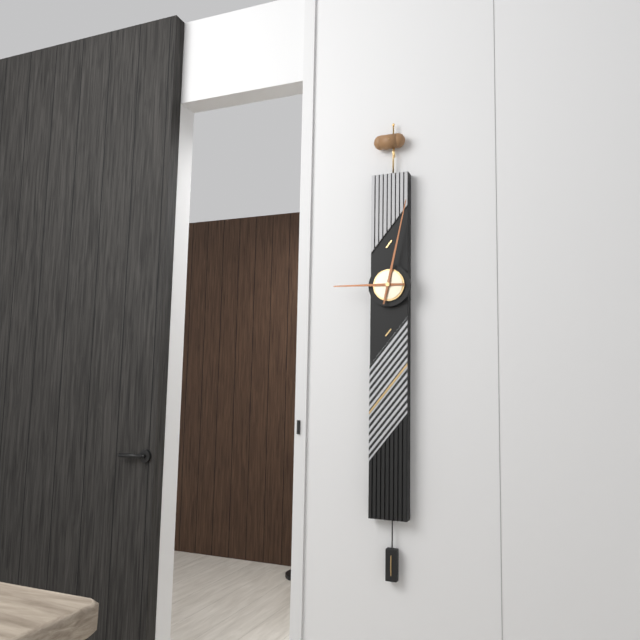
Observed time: 9:02
